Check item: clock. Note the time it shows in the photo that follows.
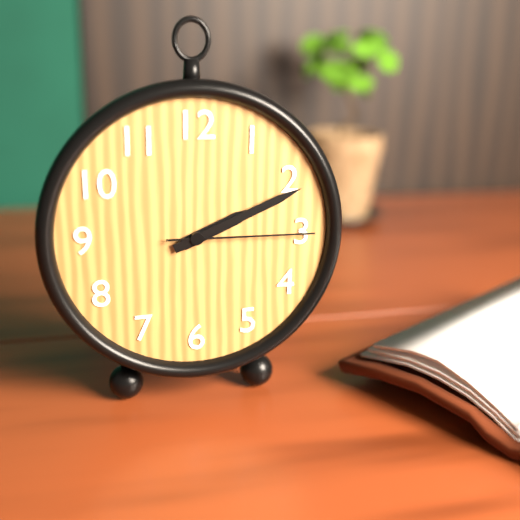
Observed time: 2:11:15
